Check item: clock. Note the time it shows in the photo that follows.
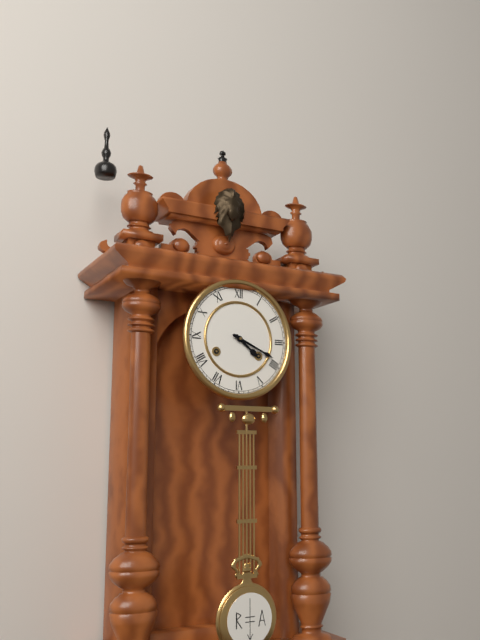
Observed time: 4:19
